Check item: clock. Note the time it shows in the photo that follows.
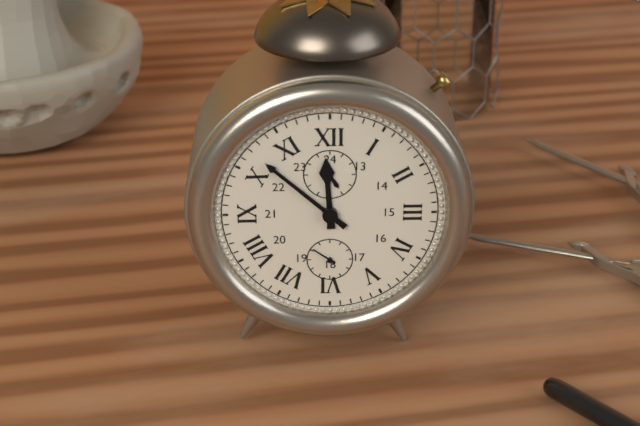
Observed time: 11:52
